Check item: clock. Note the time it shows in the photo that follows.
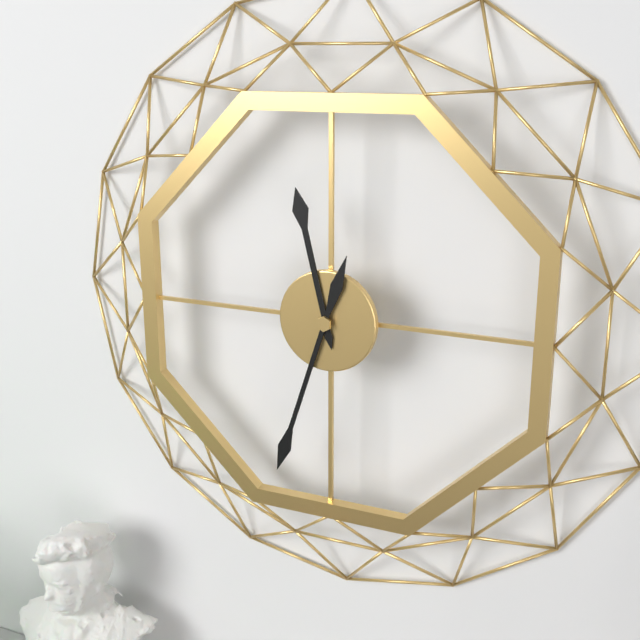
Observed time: 11:33
